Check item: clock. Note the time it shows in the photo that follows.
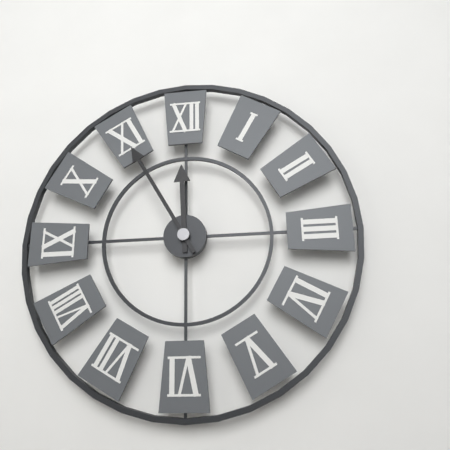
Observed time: 11:55
